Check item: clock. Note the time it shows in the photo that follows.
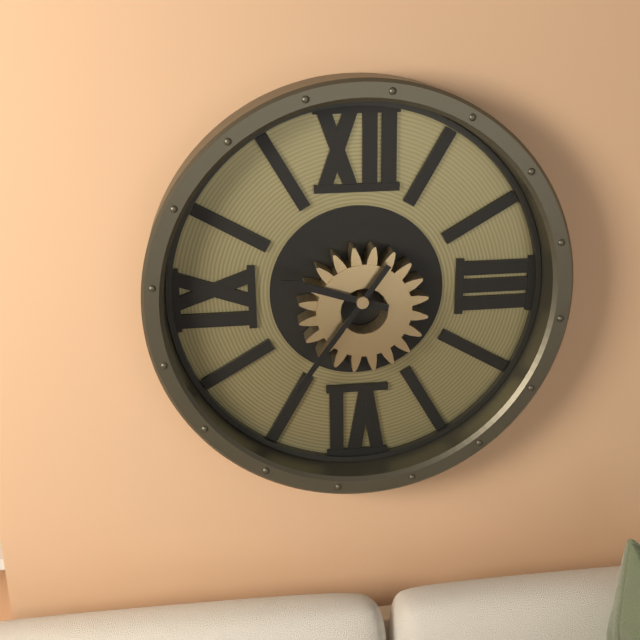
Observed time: 9:36
